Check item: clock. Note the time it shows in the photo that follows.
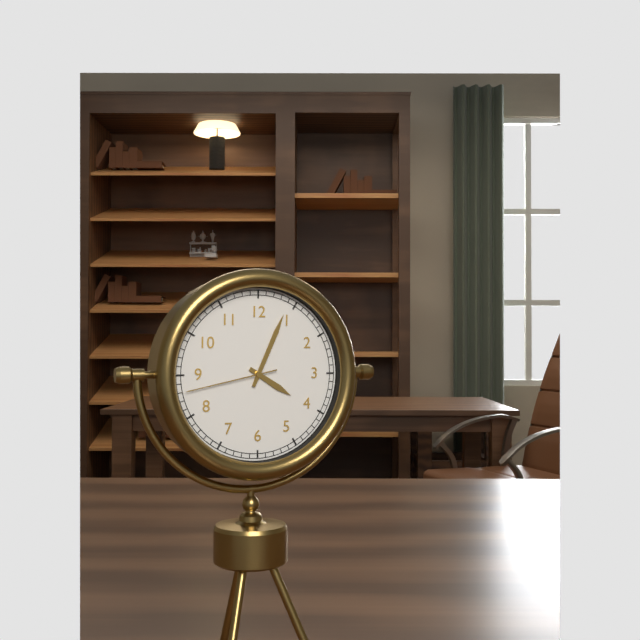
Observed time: 4:04:43
